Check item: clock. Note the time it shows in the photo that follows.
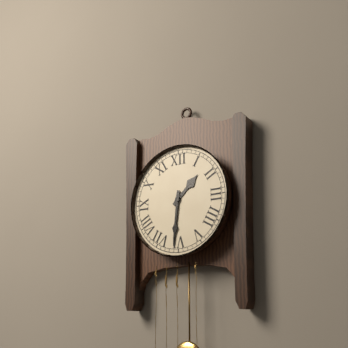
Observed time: 1:31
